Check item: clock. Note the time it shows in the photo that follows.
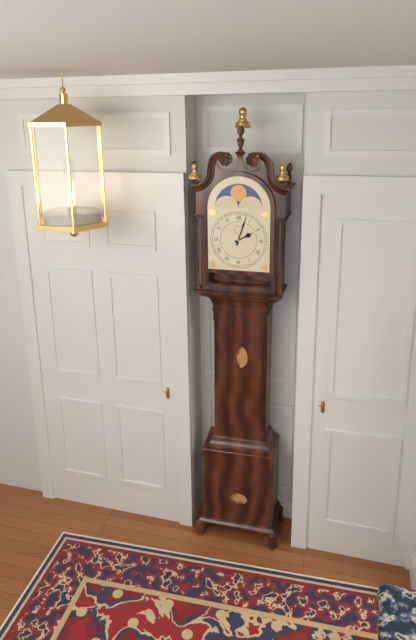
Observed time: 2:03
